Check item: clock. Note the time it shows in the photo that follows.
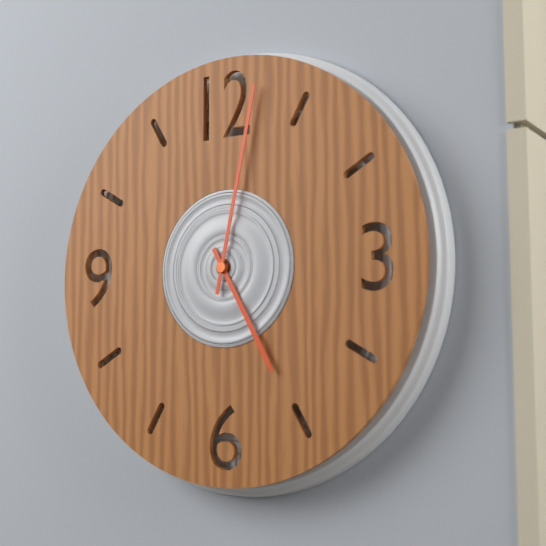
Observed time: 5:02
